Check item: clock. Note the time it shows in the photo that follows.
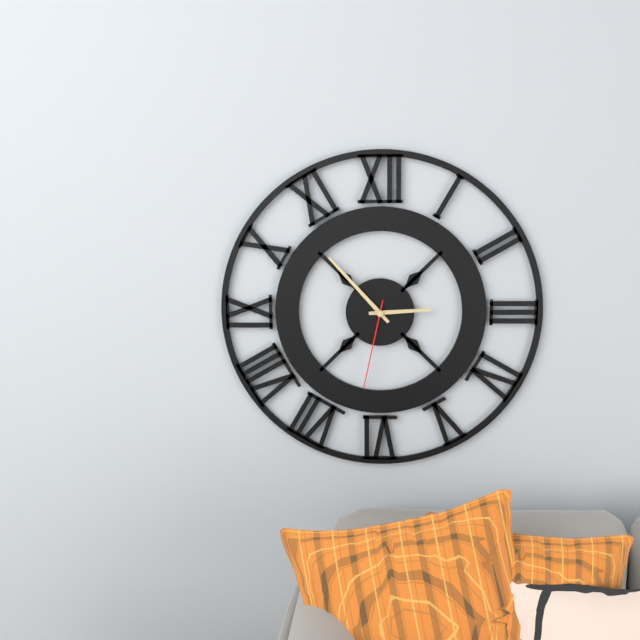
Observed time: 2:53:32
